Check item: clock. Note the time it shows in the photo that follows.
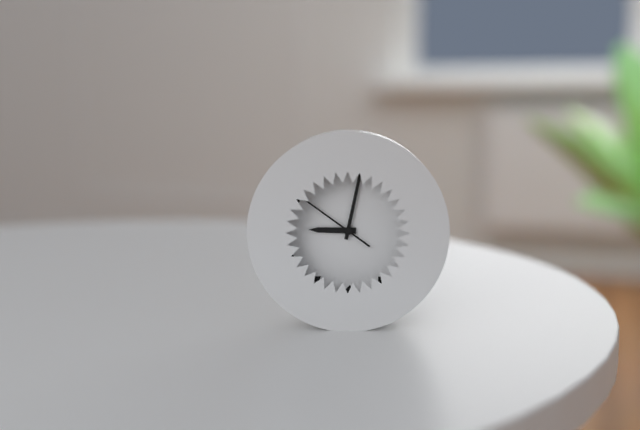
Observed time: 9:02:51
